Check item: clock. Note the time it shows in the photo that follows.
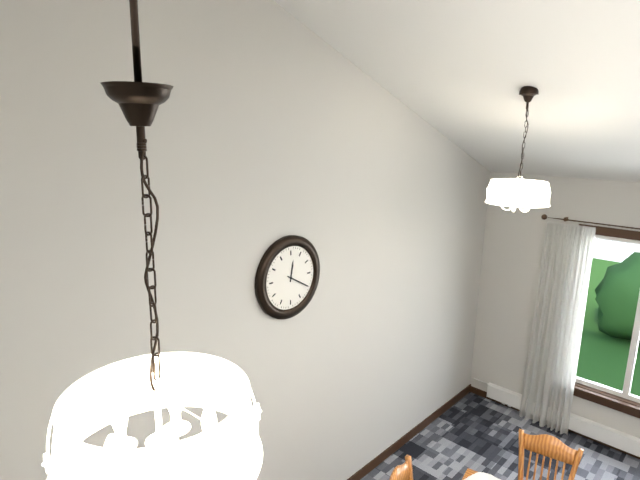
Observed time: 12:20
